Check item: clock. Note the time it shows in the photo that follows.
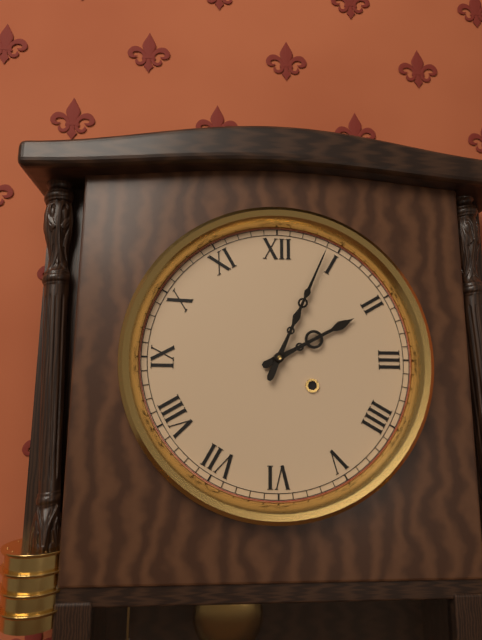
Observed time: 2:04
